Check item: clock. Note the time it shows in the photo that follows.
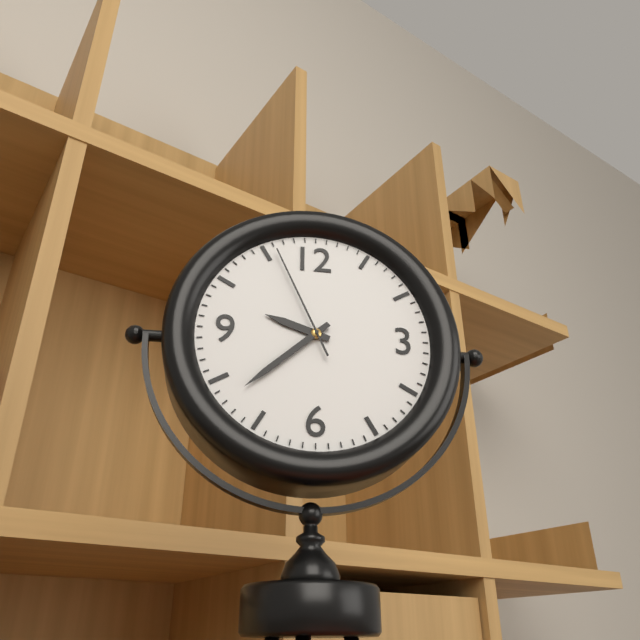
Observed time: 9:38:56
